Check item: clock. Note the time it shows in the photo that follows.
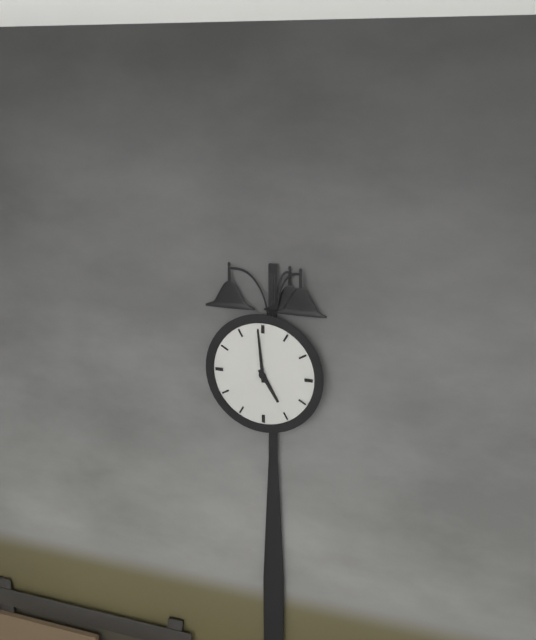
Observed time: 4:59
